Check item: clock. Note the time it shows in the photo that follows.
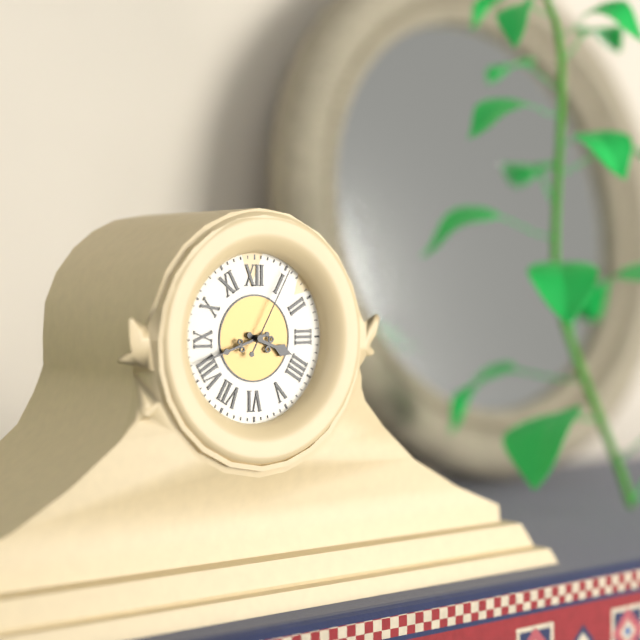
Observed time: 3:42:05
